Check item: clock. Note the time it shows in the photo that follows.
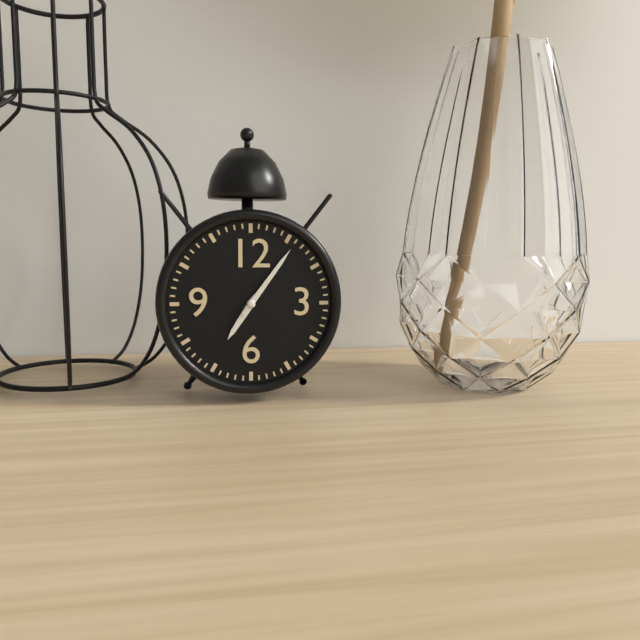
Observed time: 7:06
